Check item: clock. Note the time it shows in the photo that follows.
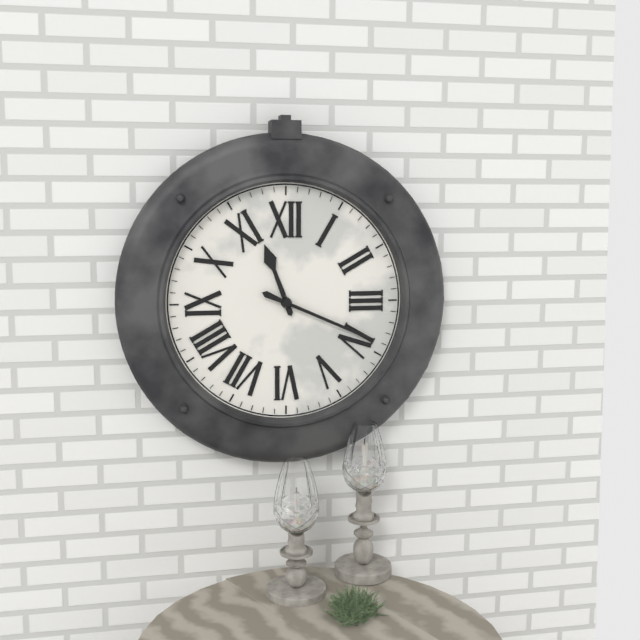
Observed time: 11:19
